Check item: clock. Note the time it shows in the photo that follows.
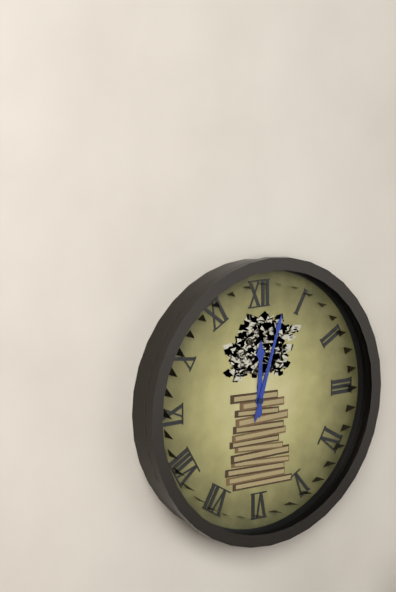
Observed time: 12:03
